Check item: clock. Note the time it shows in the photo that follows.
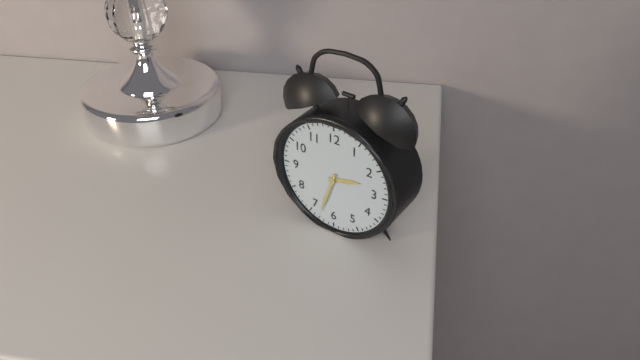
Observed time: 2:33
